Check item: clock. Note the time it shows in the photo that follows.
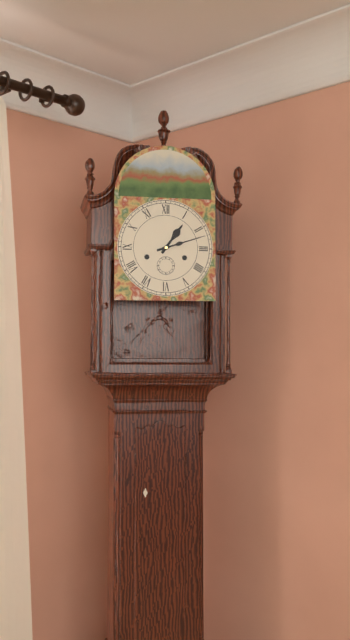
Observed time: 1:12
